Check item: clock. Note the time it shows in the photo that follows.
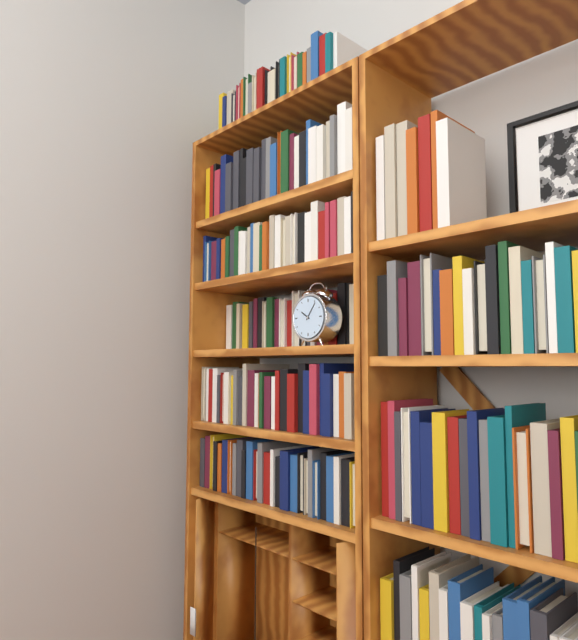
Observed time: 10:06
